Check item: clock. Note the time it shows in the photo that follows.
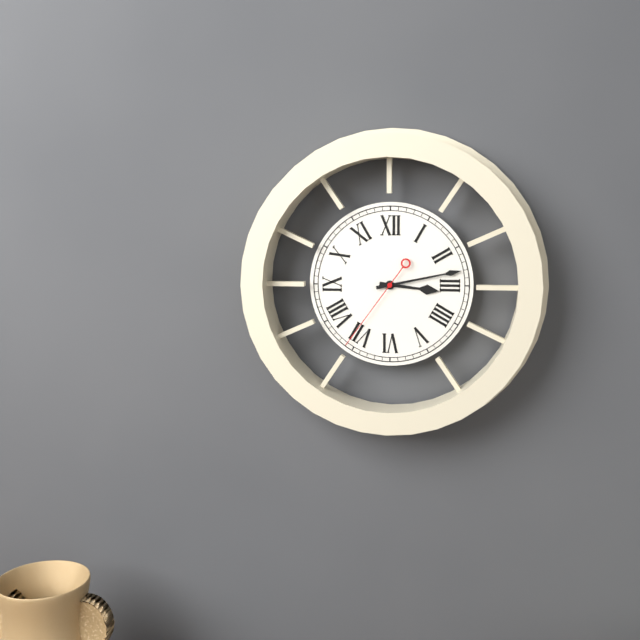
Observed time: 3:13:36
